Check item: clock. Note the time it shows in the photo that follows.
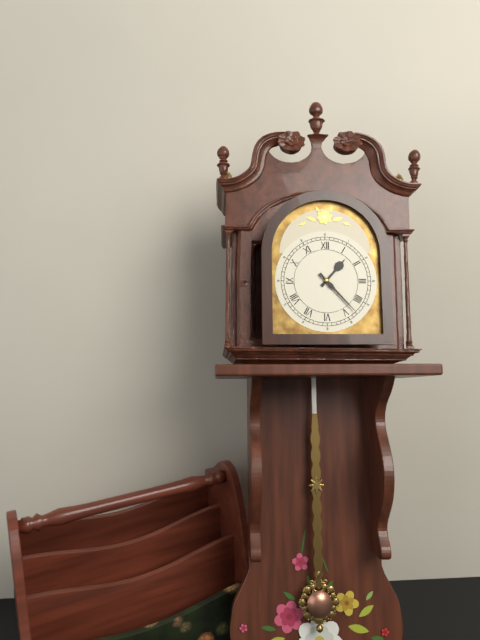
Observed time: 1:23
